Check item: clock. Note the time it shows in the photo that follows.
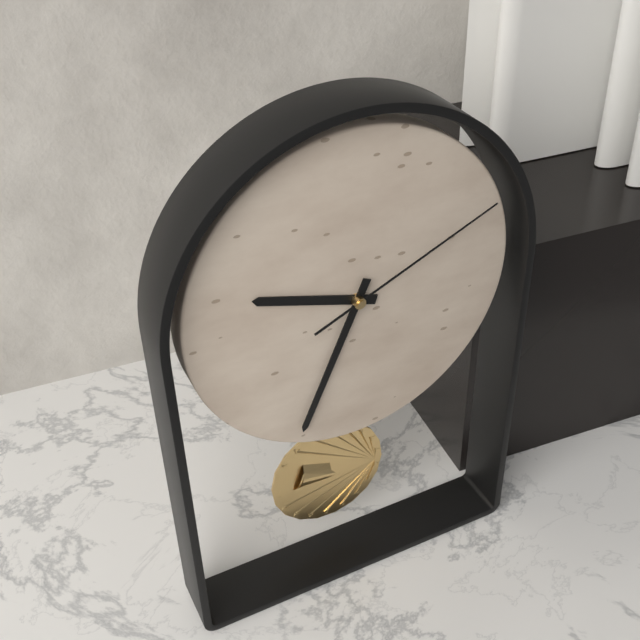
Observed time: 9:34:11
